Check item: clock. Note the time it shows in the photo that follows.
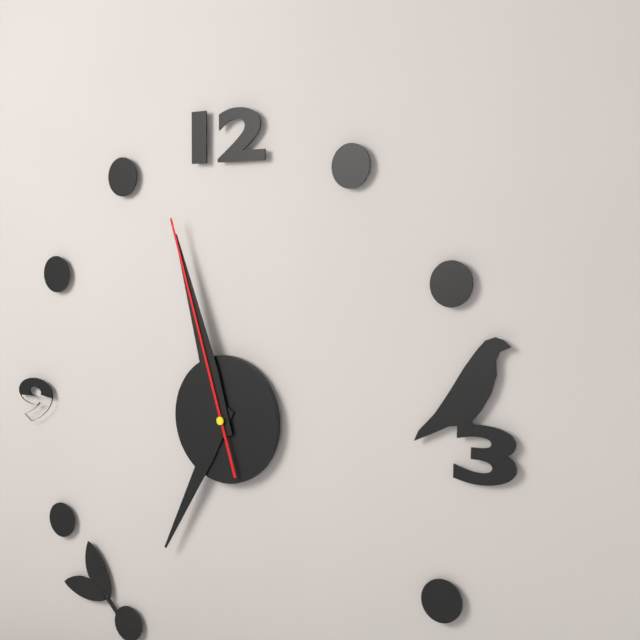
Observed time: 6:57:57
